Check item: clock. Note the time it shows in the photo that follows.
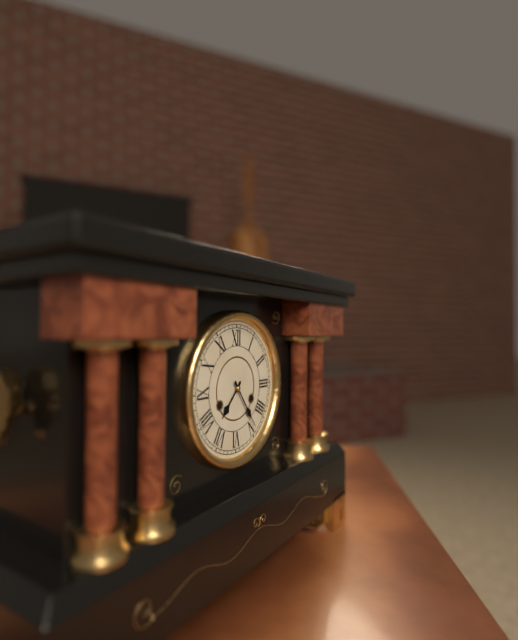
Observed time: 7:24
